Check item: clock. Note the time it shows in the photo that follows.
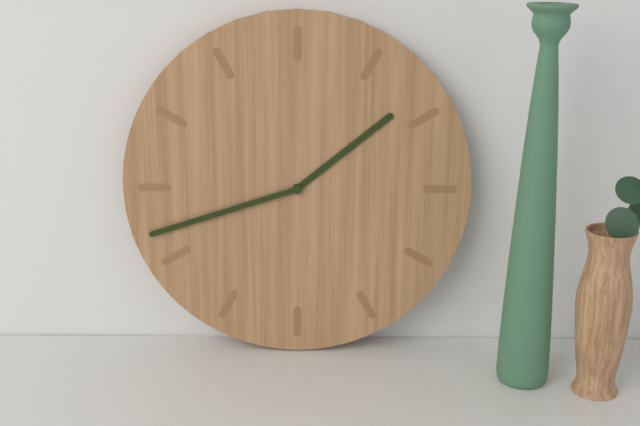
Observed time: 1:42
